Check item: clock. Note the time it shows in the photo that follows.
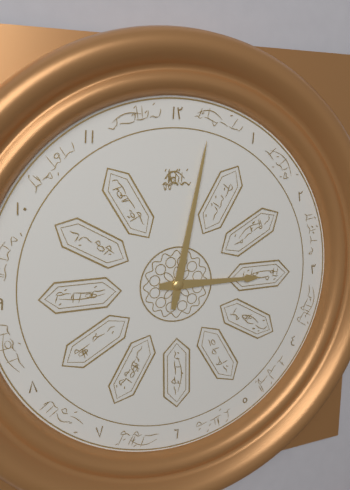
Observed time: 3:02
